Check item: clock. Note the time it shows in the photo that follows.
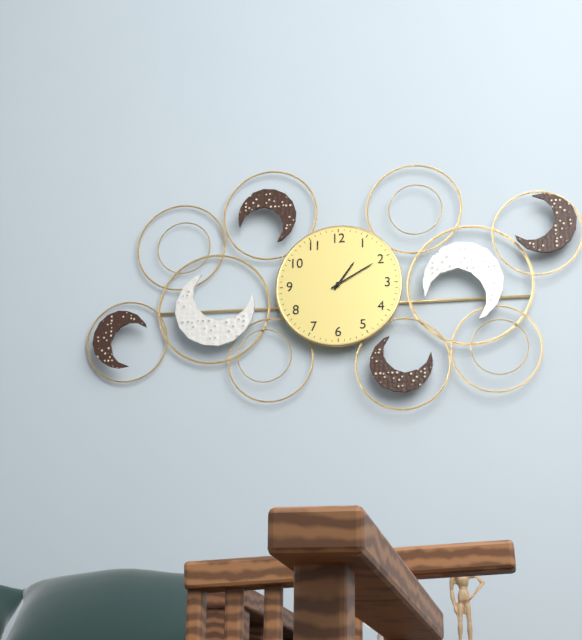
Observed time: 1:10
